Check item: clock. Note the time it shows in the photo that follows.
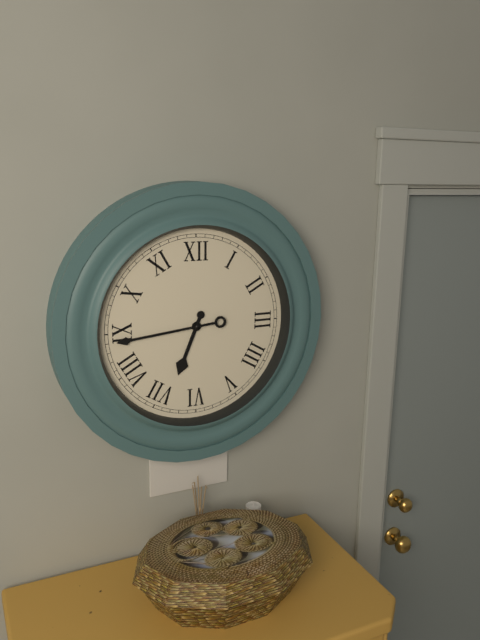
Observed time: 6:44
